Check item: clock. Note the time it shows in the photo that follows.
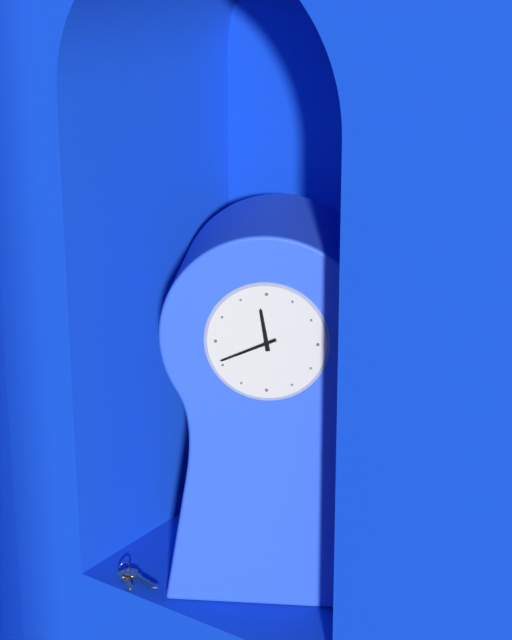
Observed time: 11:41
